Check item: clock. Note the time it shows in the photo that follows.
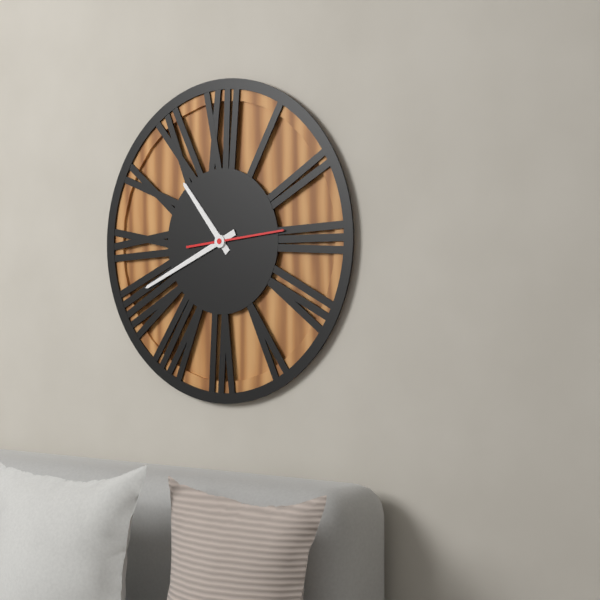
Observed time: 10:41:14
